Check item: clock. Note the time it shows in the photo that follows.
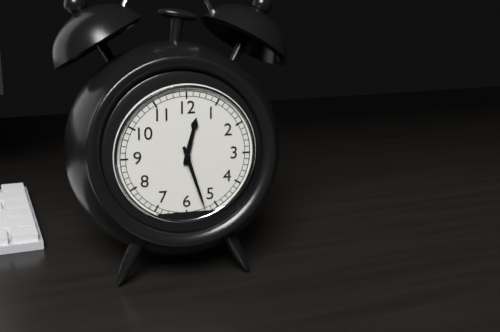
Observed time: 12:27
